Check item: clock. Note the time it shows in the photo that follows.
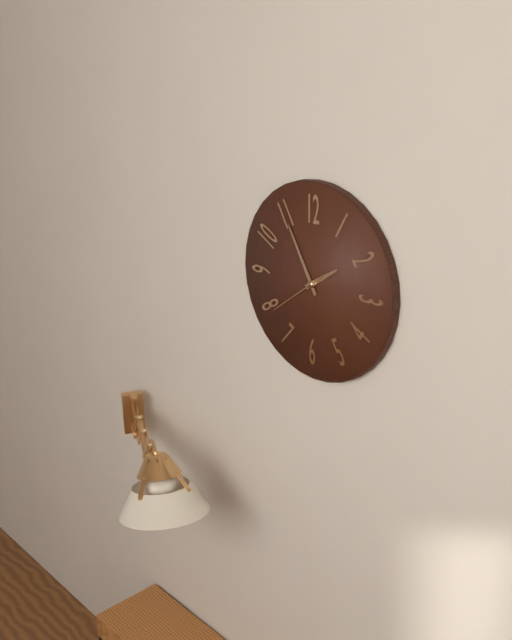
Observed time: 1:55:39
